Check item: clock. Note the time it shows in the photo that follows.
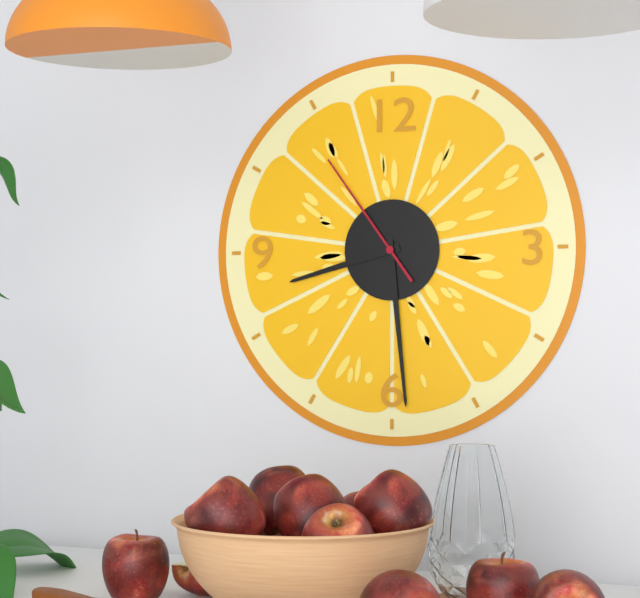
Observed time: 8:29:54
